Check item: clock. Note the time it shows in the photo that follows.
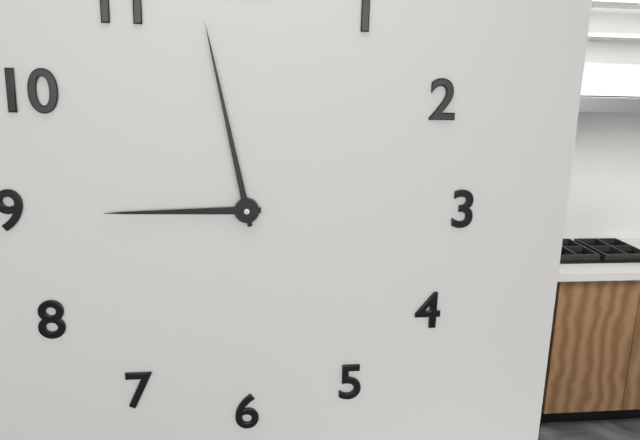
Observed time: 8:58
